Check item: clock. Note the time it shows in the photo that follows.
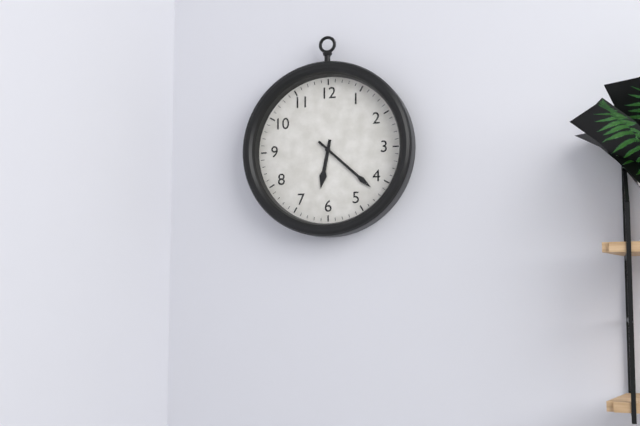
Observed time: 6:22
